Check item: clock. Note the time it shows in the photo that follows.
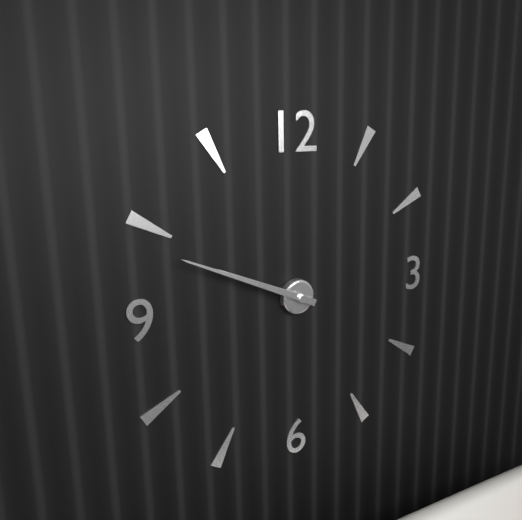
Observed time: 9:49
